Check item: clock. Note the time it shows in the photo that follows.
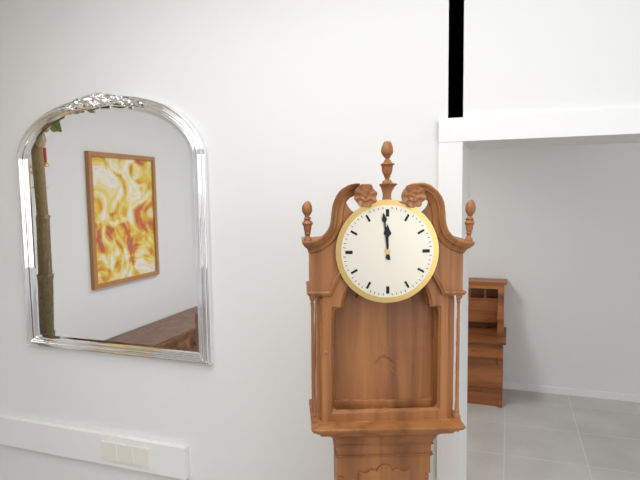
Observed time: 11:59
